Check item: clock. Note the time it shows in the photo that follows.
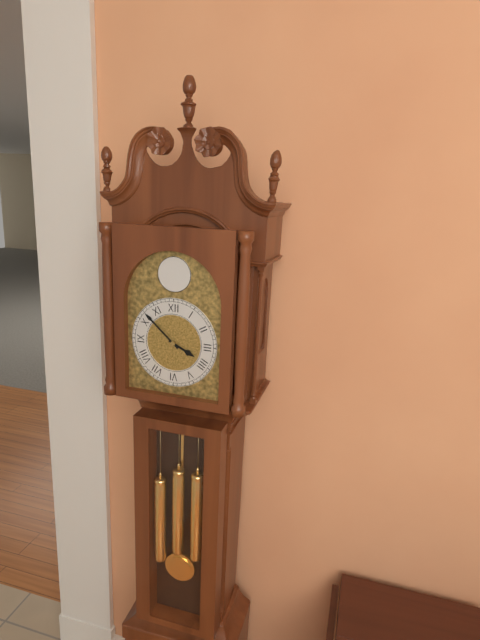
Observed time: 3:52
